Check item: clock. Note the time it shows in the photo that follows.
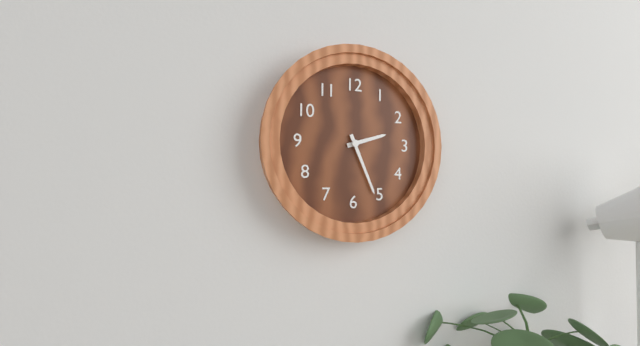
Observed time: 2:26
